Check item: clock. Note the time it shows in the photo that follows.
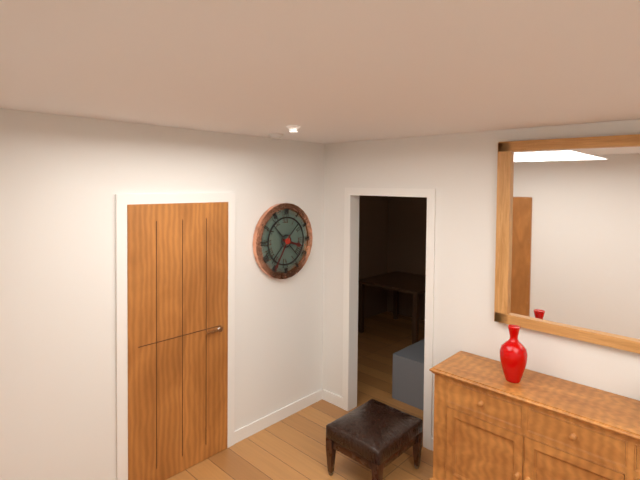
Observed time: 3:35
